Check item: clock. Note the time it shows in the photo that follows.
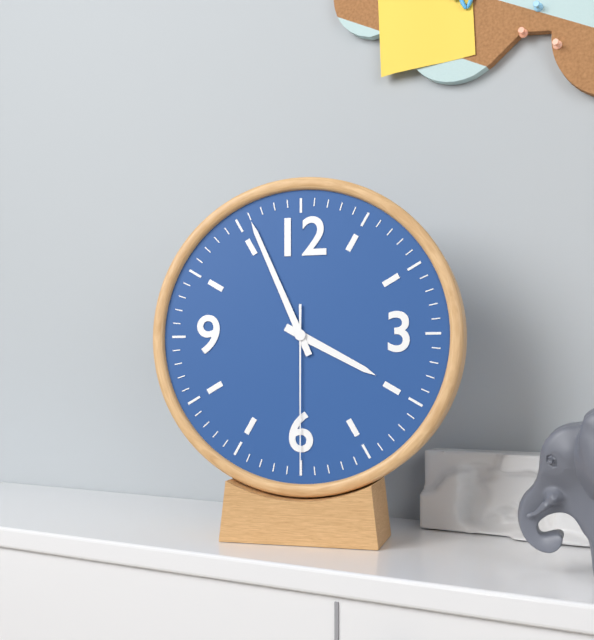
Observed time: 3:56:30
